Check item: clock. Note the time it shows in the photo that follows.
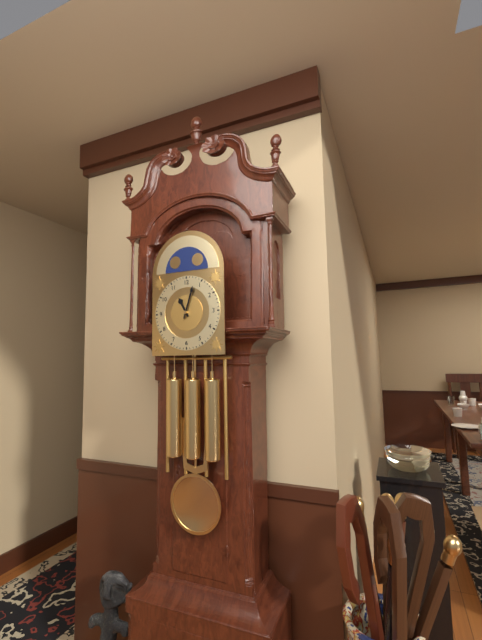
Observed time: 11:03
